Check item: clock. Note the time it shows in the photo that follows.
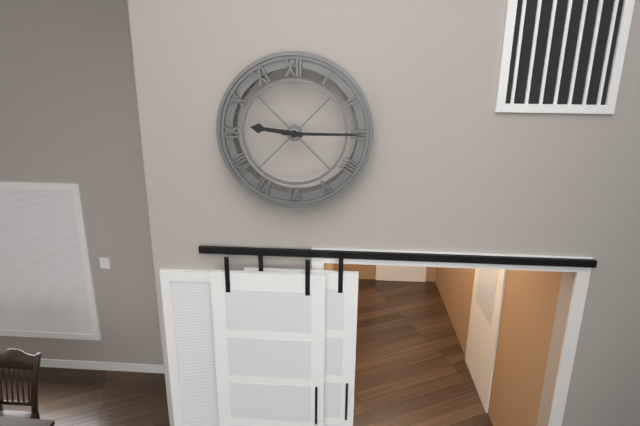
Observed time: 9:15
